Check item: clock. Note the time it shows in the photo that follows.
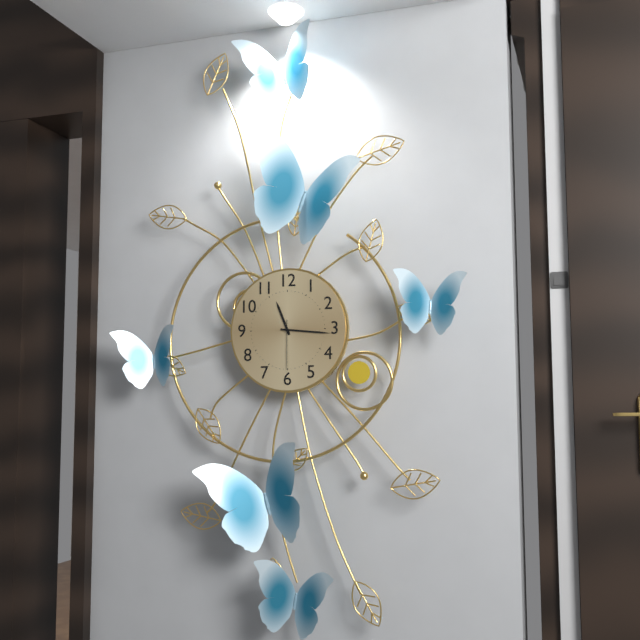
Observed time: 11:16:30
